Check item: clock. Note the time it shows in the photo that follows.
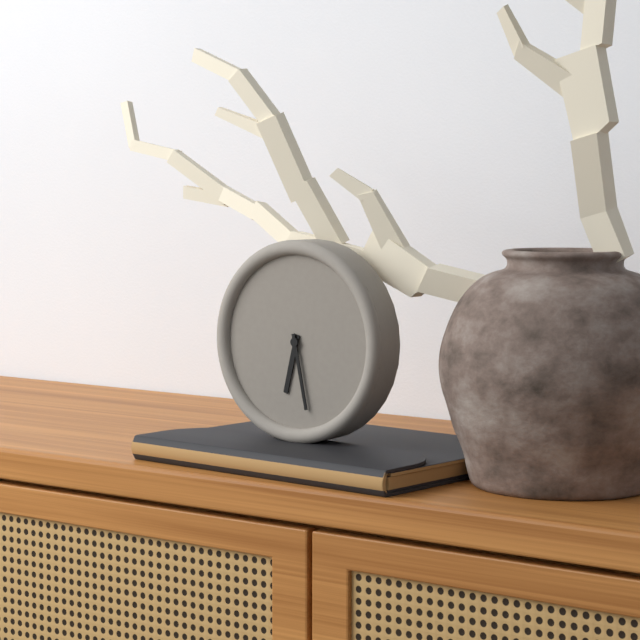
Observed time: 6:28
